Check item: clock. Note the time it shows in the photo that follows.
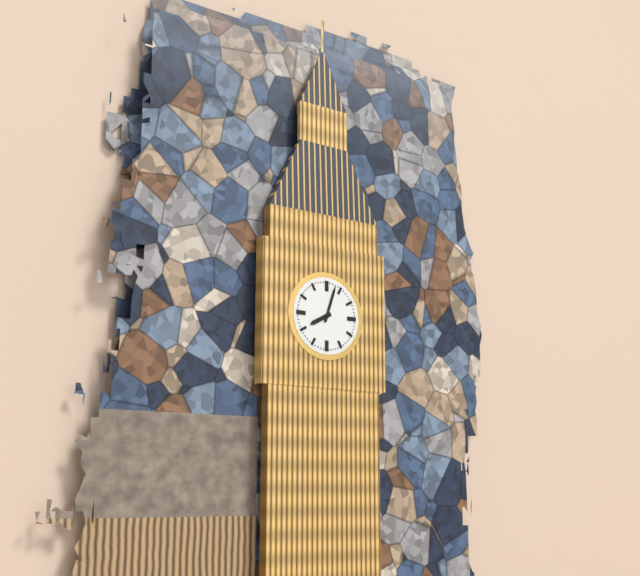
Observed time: 8:03
